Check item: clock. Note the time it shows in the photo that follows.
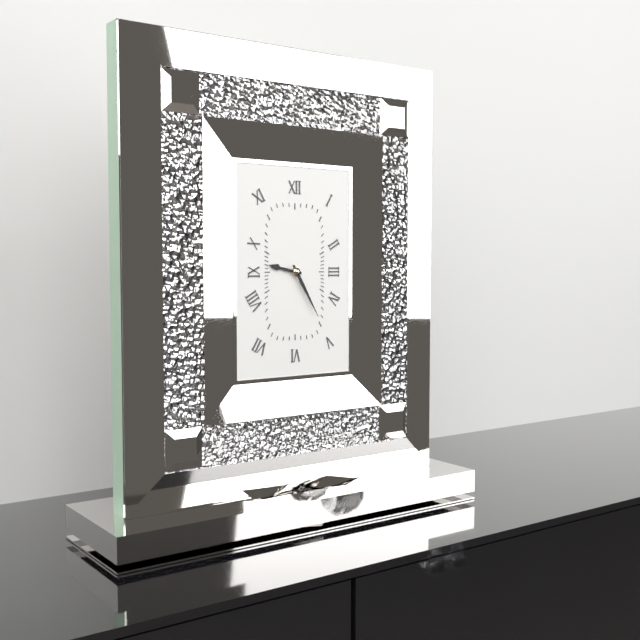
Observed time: 9:25
